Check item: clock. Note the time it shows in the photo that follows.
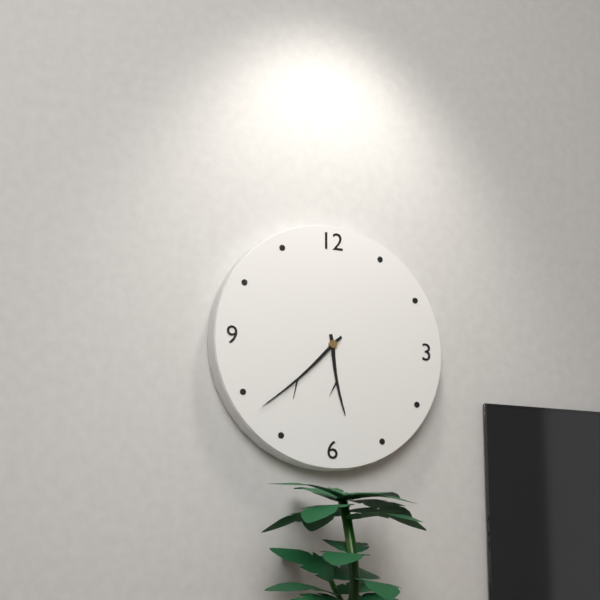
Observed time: 5:38
